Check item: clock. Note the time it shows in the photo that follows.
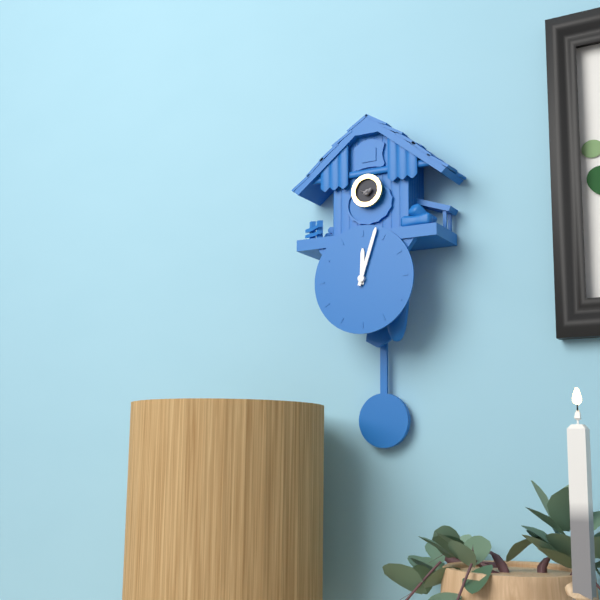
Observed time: 12:03
